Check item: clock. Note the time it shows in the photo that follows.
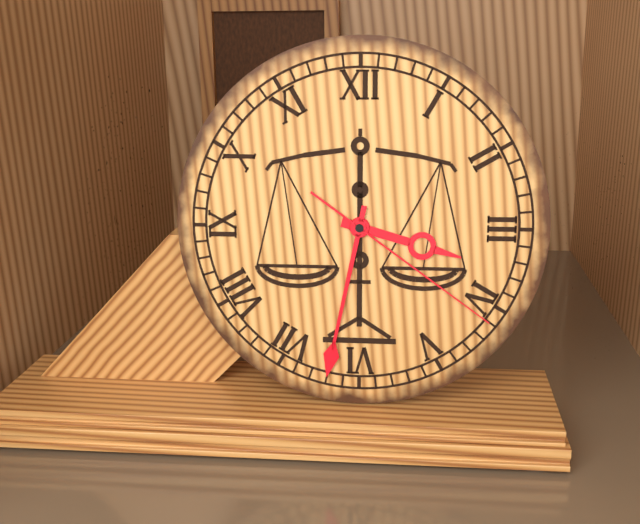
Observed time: 3:32:21
